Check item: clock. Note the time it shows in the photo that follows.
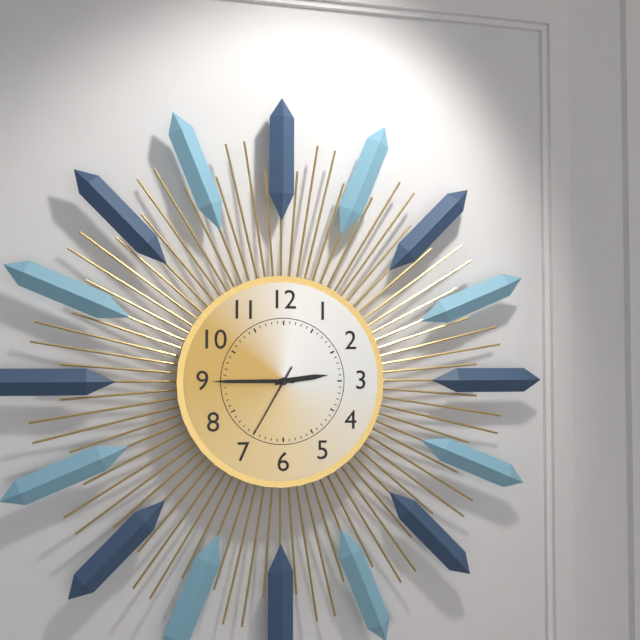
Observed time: 2:45:35
